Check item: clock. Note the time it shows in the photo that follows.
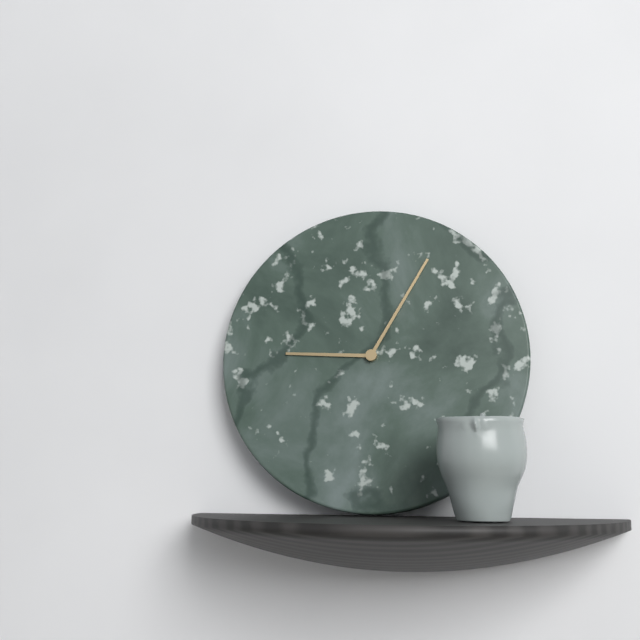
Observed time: 9:05
